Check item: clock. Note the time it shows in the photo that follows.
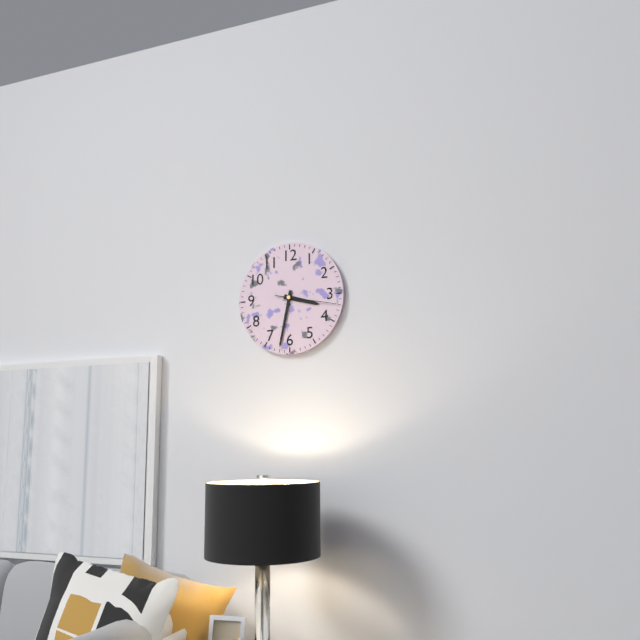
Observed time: 3:32:17
